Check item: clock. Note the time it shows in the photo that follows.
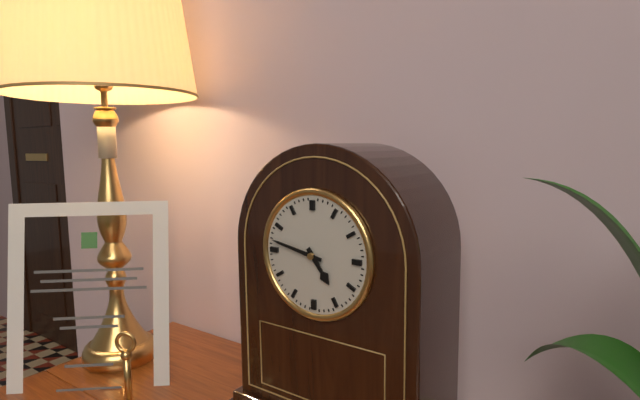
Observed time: 4:47
